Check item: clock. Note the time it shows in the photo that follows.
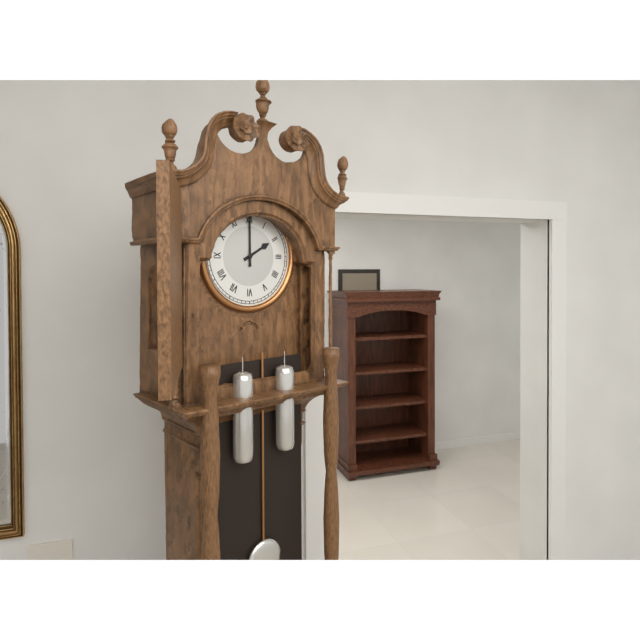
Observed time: 2:00
